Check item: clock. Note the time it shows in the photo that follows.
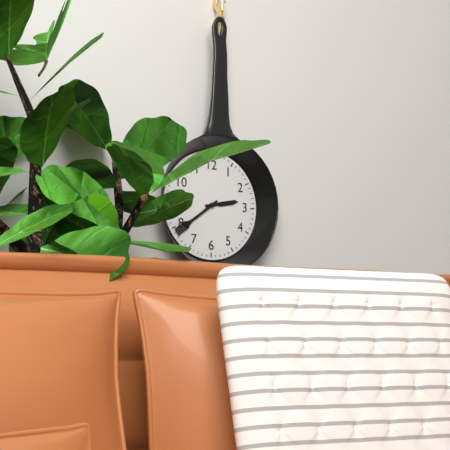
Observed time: 2:39
